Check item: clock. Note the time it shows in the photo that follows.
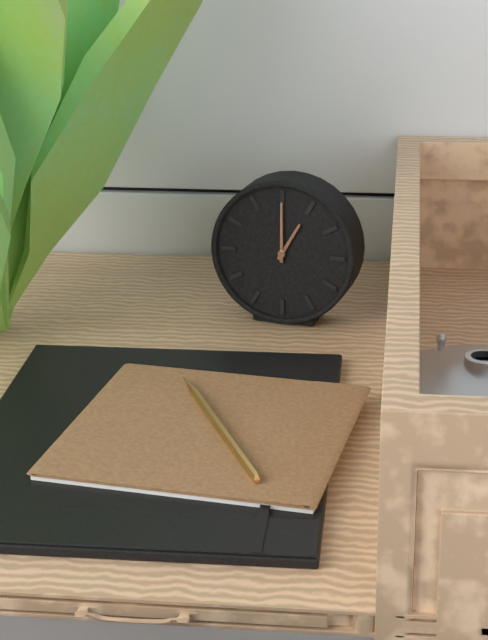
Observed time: 1:00
